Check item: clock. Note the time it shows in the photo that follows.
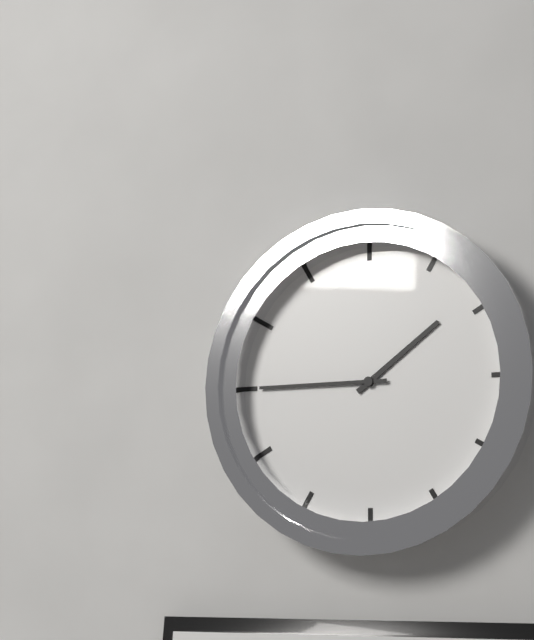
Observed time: 1:45
